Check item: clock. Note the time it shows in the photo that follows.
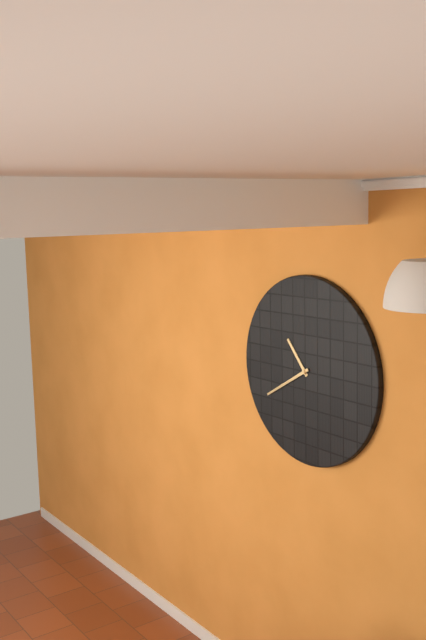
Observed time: 10:40
